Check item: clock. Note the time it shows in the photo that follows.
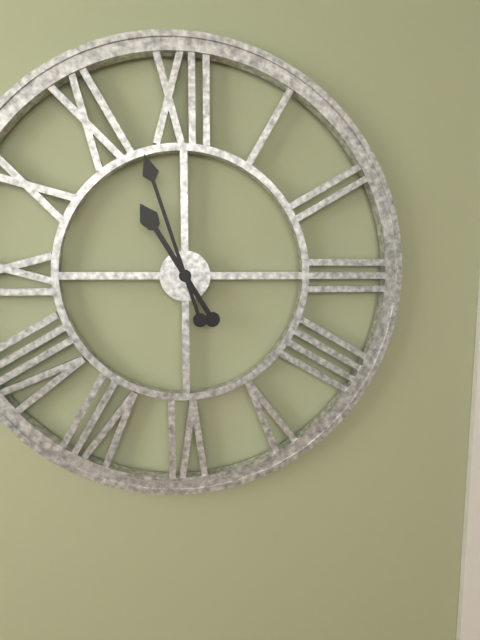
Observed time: 10:57
